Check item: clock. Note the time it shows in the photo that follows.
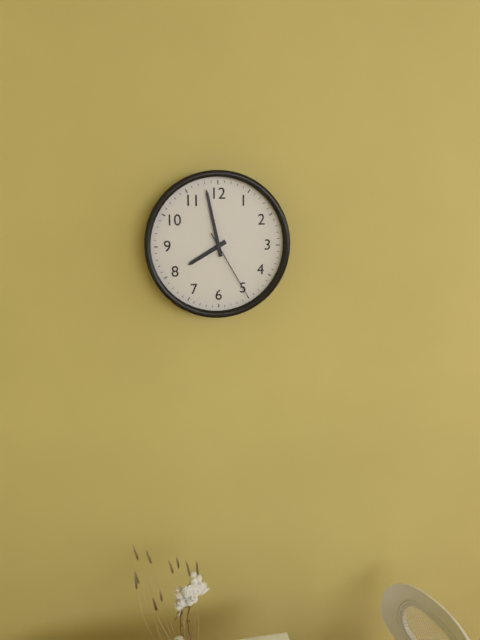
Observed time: 7:58:25
